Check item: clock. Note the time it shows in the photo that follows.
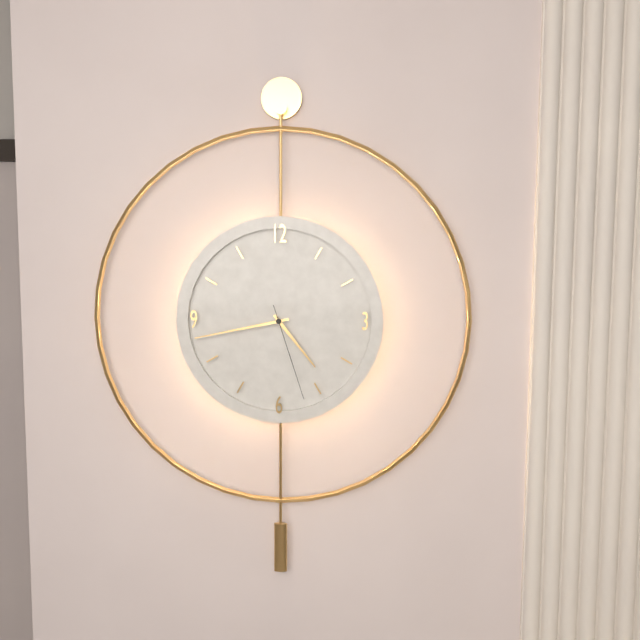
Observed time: 4:43:27
